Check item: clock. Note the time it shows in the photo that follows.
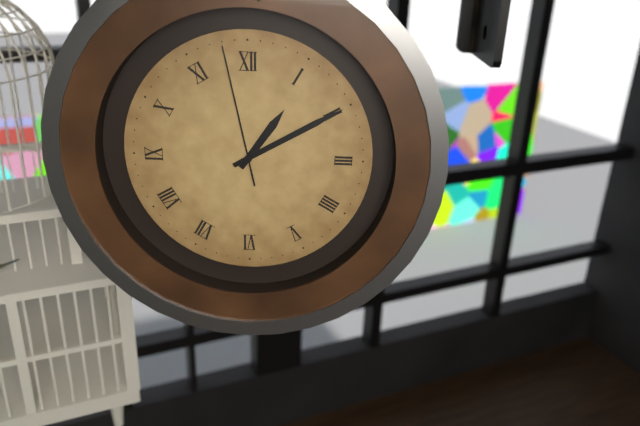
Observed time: 1:10:58
